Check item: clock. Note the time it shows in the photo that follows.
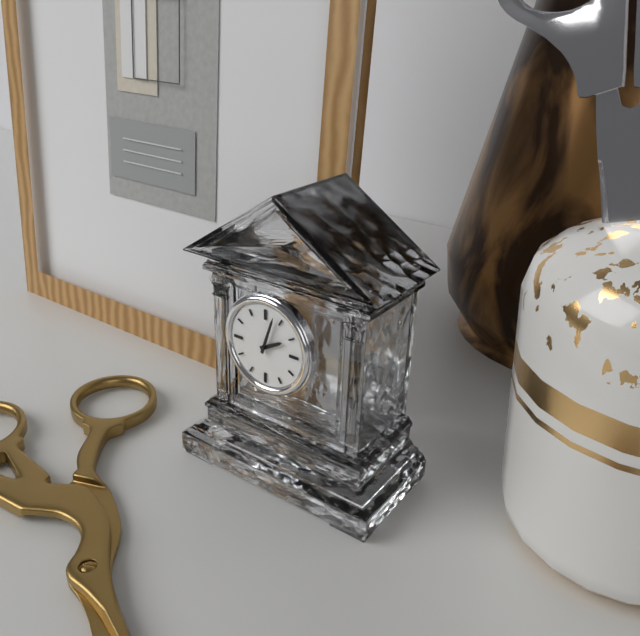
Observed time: 2:03
